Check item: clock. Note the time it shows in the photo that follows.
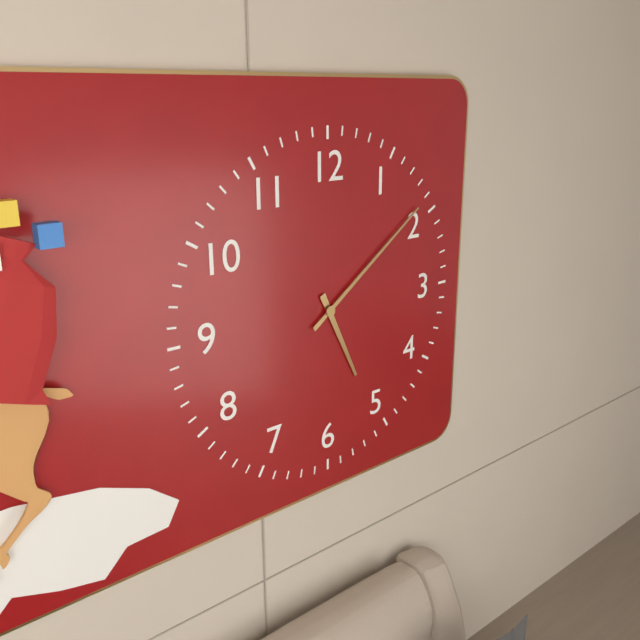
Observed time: 5:09
